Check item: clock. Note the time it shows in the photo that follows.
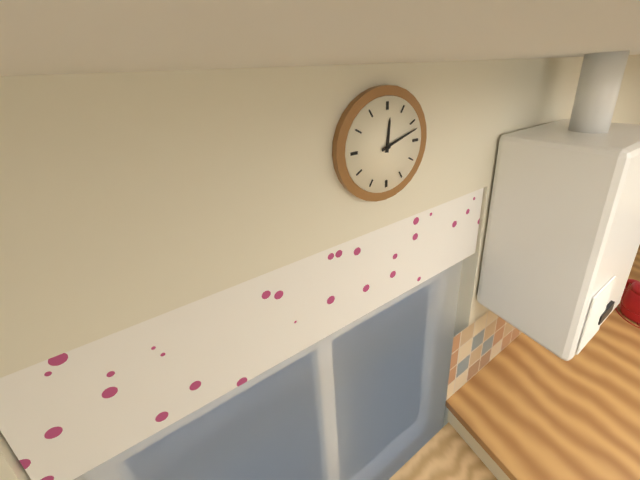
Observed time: 12:12
